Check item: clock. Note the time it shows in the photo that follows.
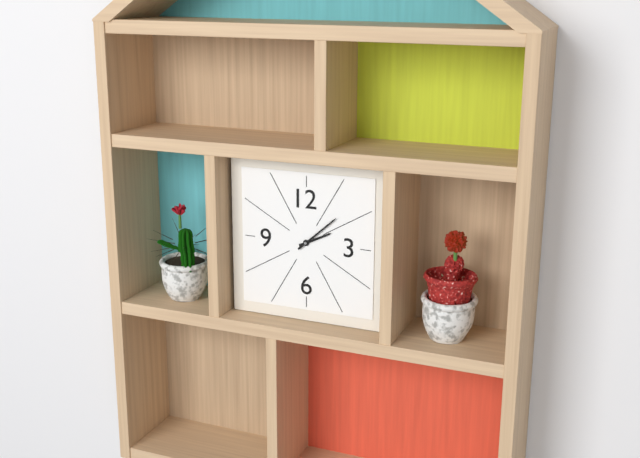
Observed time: 2:08
